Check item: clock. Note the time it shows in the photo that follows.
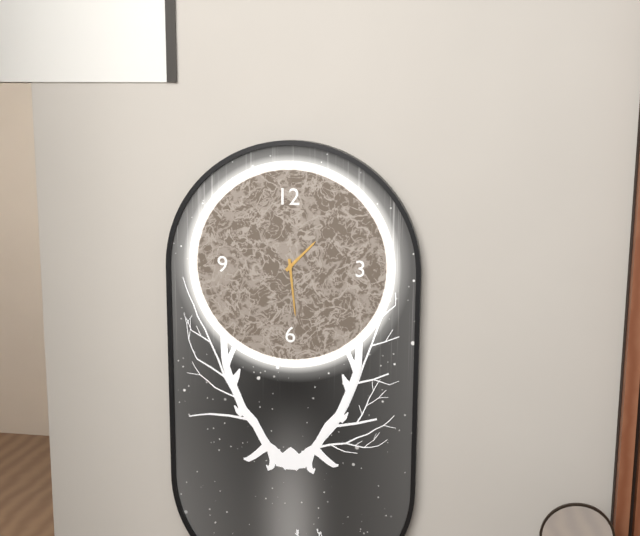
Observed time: 1:29
